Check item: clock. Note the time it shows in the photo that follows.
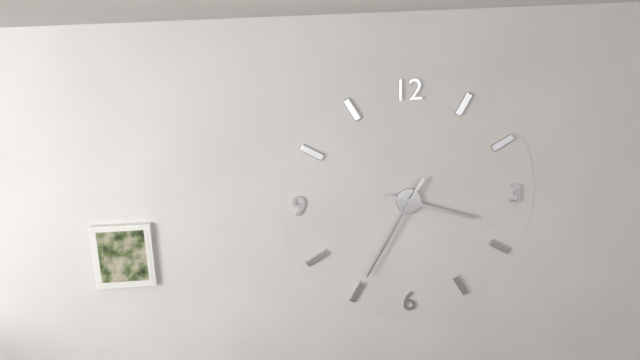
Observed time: 3:35
